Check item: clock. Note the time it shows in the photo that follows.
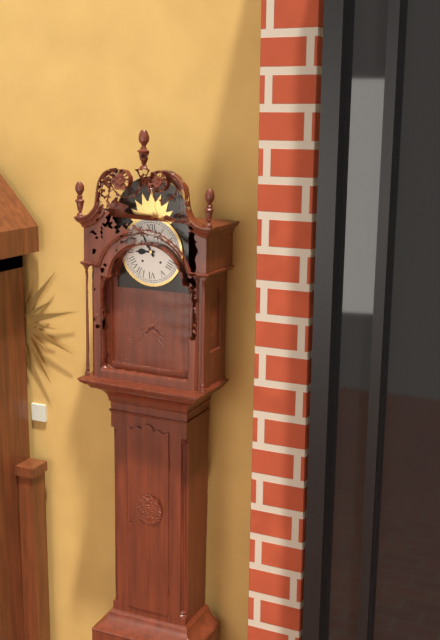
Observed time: 8:55
